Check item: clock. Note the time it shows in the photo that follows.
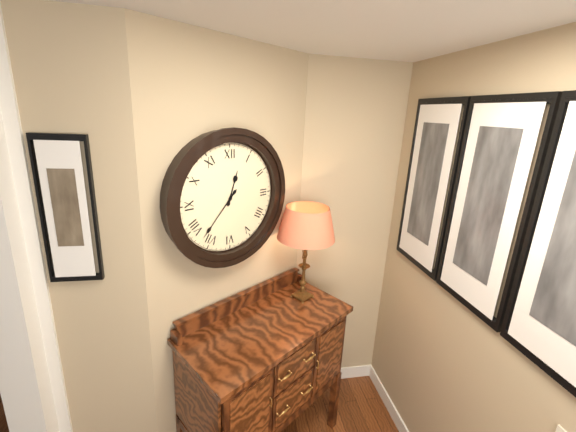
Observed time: 12:37
